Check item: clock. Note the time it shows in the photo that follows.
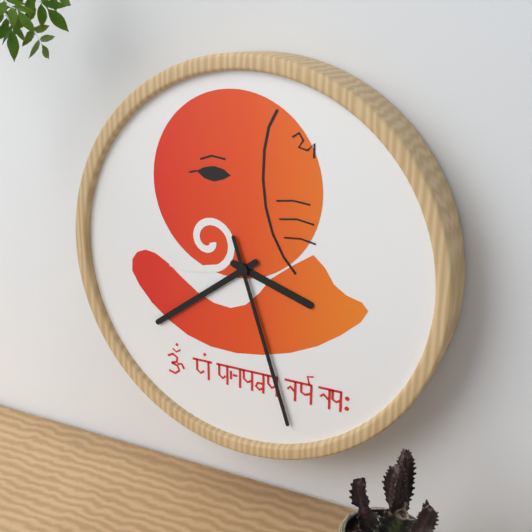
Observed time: 3:39:27
